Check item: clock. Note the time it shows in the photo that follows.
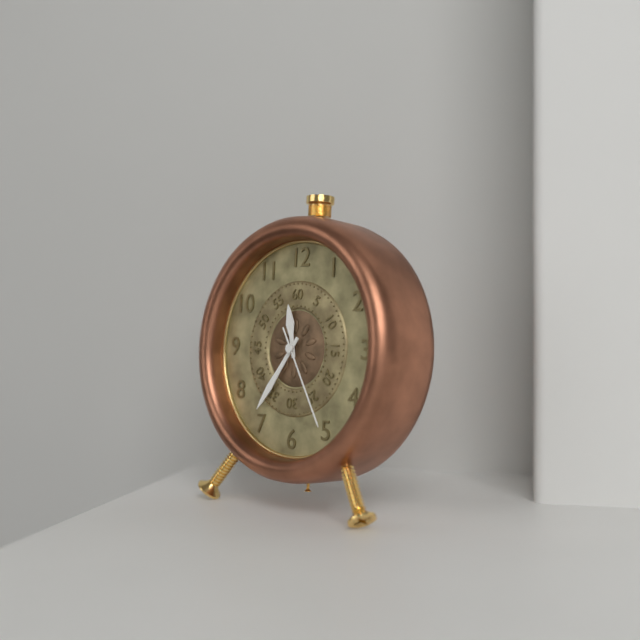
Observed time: 11:36:25
